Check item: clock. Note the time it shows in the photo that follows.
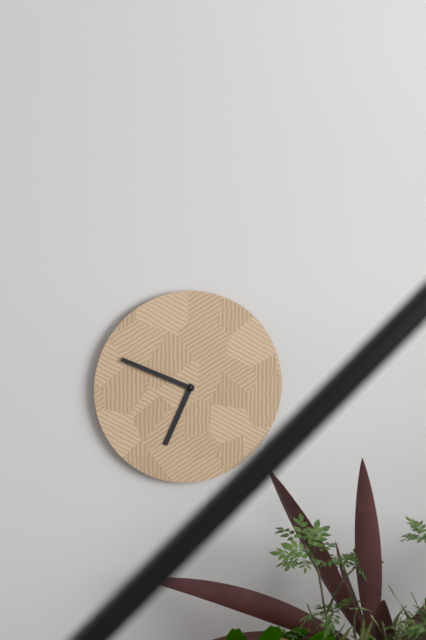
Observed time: 6:49
